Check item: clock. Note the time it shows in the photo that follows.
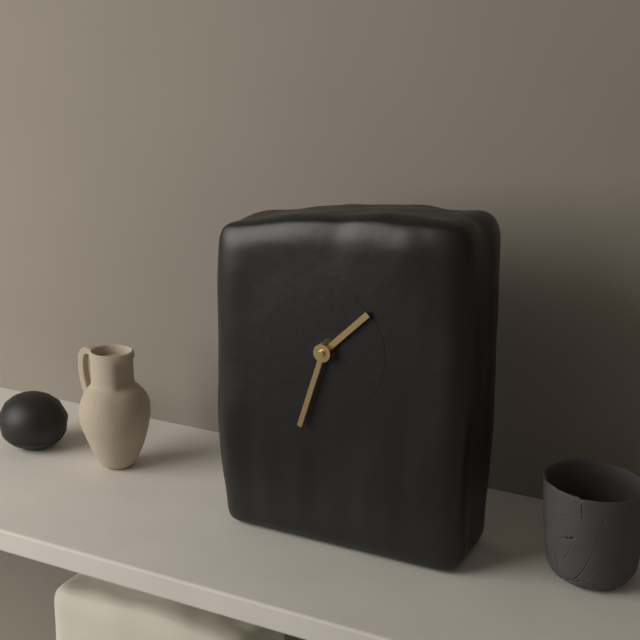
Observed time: 1:33
